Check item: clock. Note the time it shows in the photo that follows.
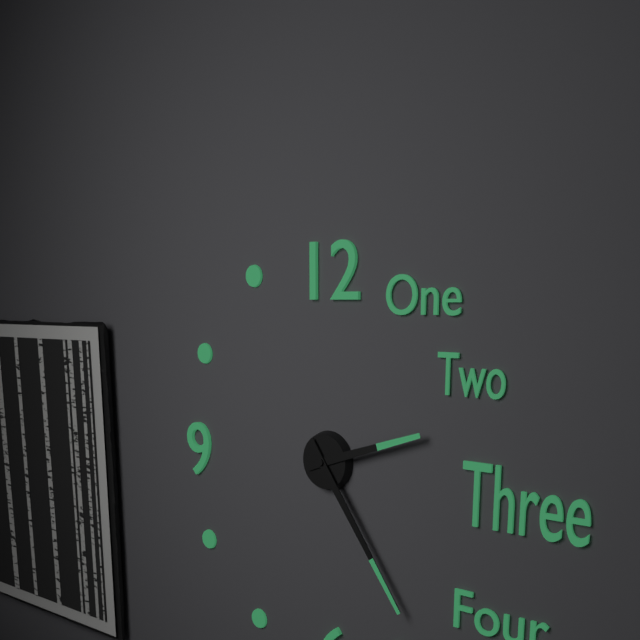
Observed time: 2:24
